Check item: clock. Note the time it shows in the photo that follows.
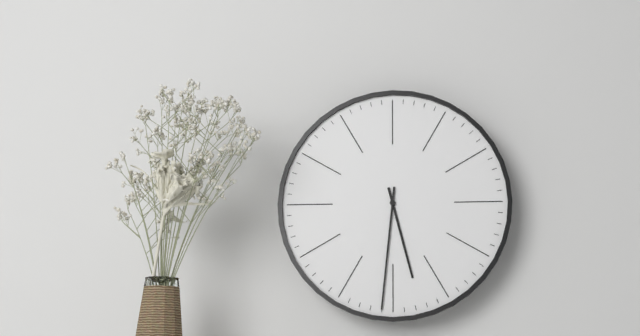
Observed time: 5:31
